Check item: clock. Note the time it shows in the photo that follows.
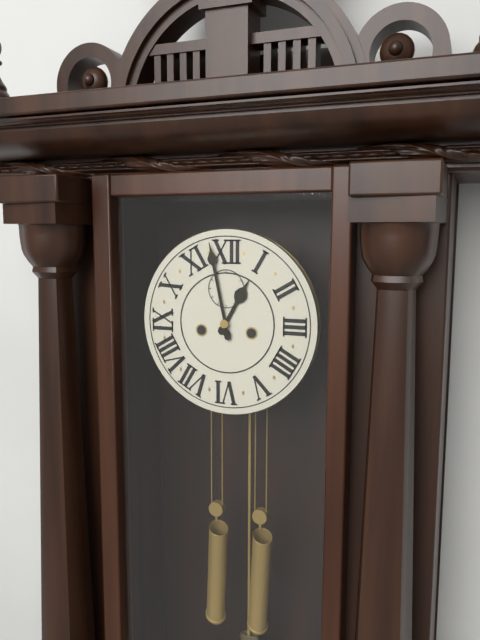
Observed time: 12:58
